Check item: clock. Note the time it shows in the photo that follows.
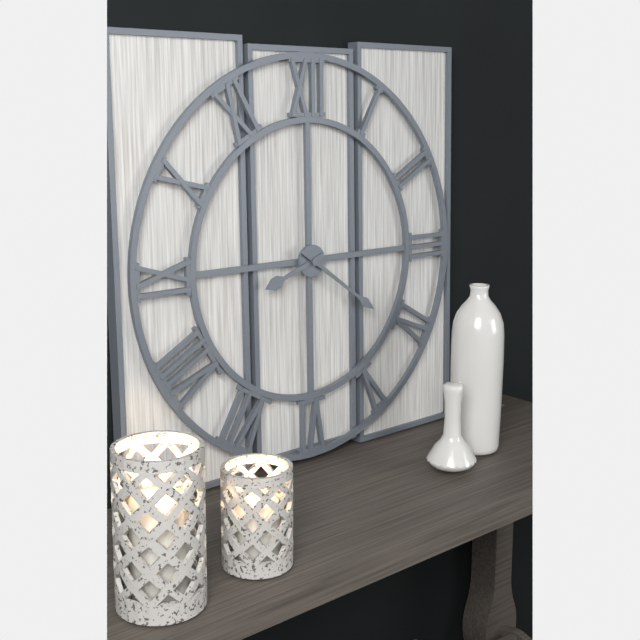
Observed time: 8:21
